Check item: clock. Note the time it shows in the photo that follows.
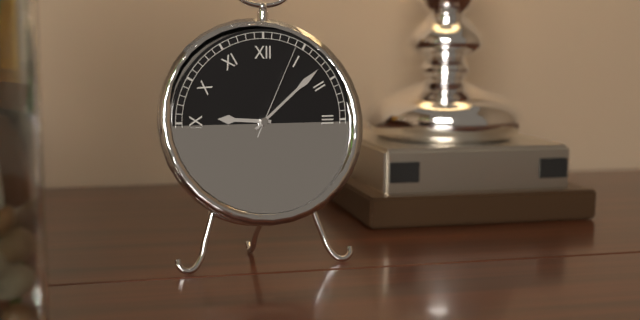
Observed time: 9:08:04
